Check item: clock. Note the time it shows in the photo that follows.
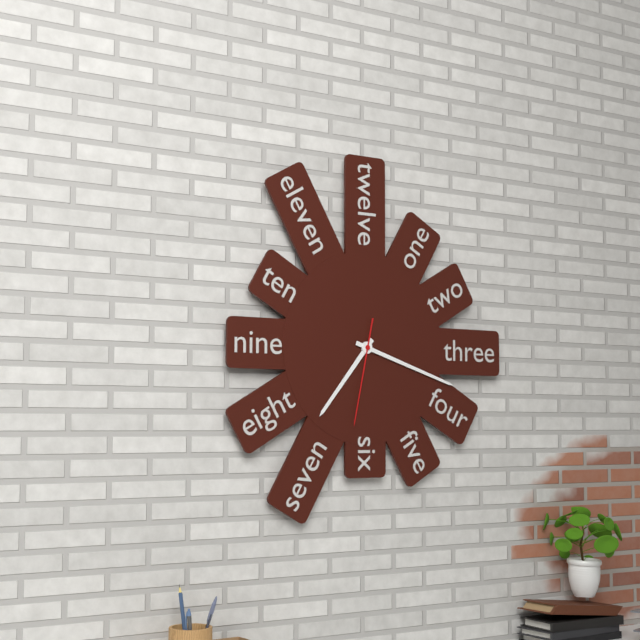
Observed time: 7:18:32
